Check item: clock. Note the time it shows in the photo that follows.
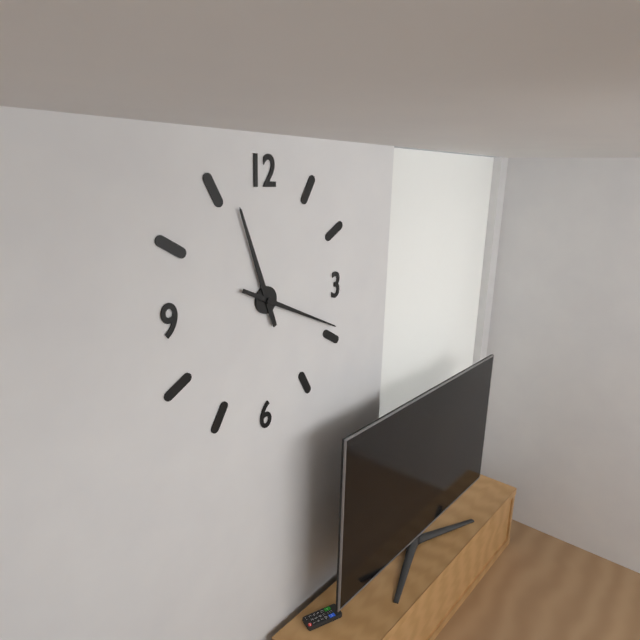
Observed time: 11:19
